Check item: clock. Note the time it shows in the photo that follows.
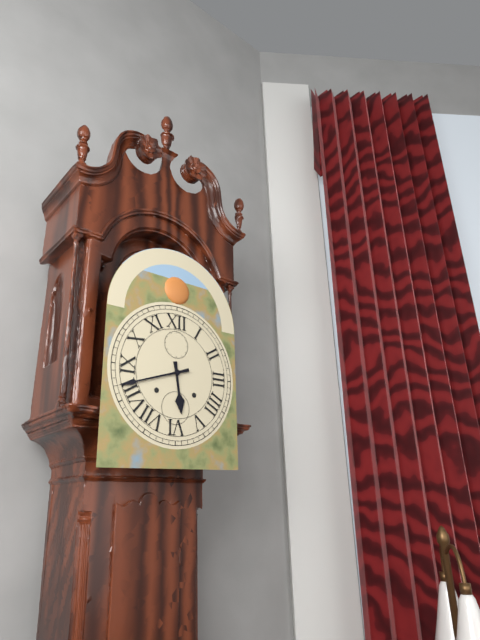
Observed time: 5:42
